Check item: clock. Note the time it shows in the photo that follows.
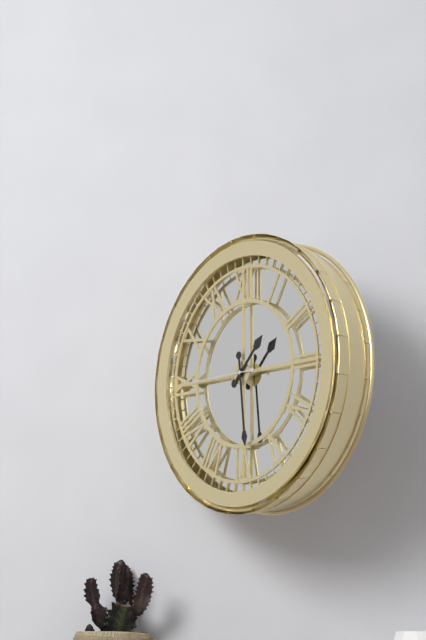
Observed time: 1:29:45
